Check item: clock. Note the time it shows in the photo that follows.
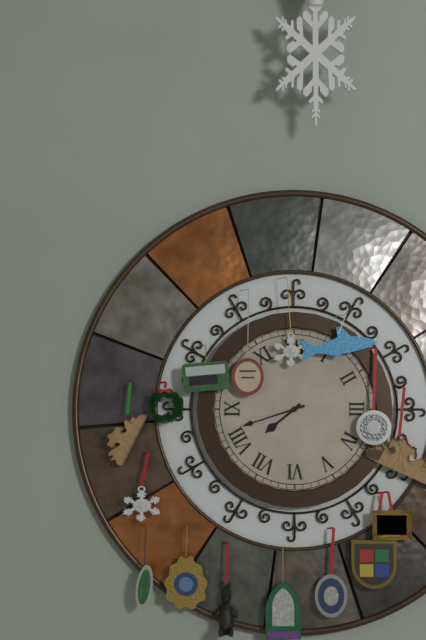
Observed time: 7:42
